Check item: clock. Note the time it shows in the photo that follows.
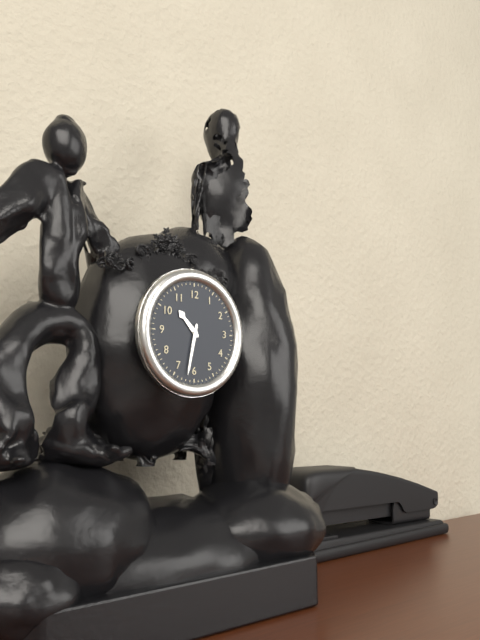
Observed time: 10:32
